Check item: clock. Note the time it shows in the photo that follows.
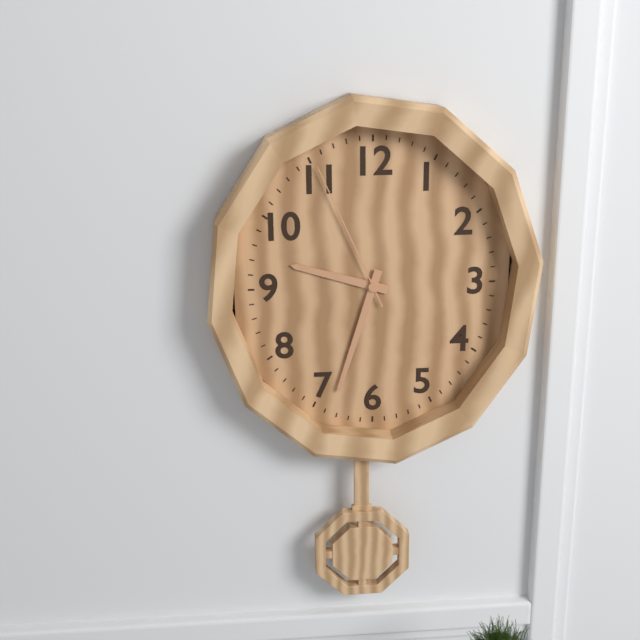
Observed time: 9:33:56
